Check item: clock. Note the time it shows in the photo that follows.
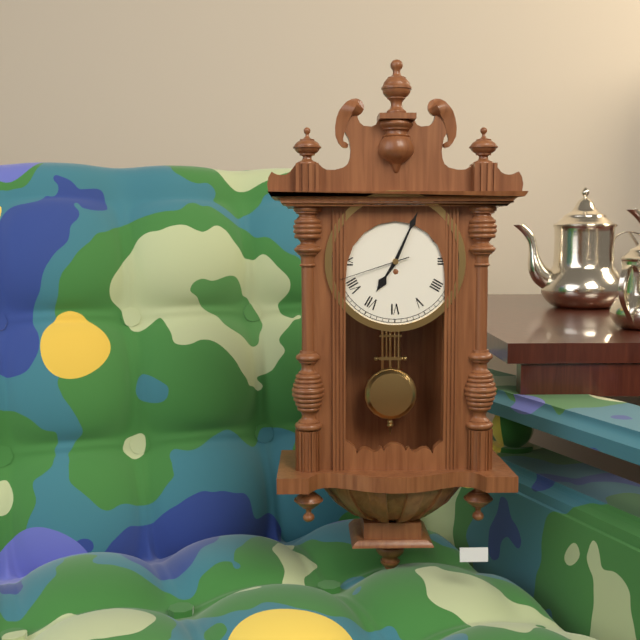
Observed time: 7:04:42
